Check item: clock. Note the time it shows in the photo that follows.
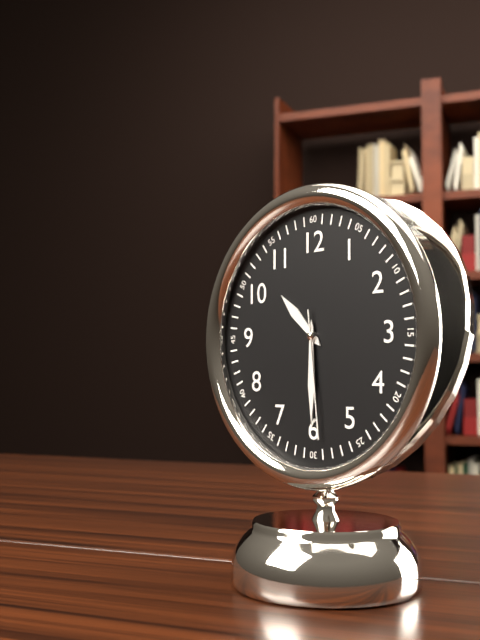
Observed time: 10:30:29
